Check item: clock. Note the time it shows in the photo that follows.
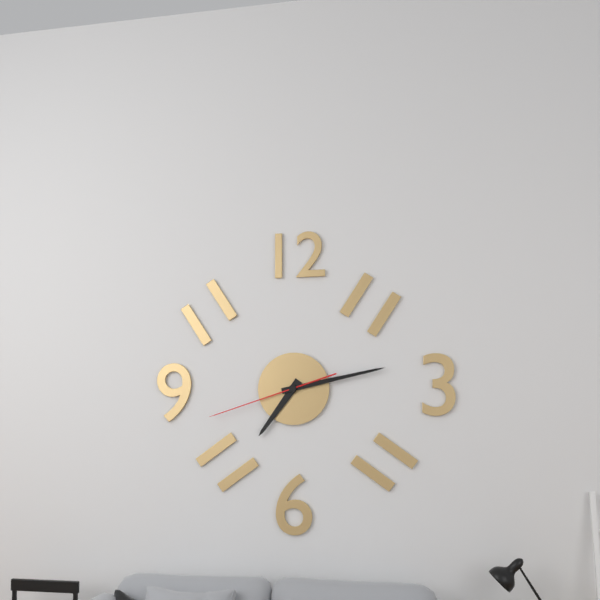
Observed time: 7:13:42
